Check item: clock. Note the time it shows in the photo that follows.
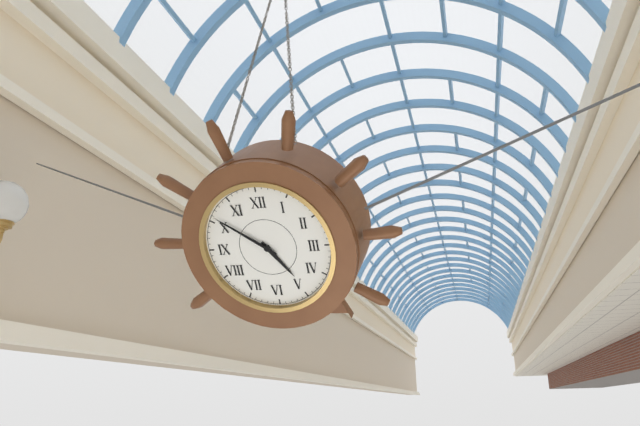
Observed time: 4:51
